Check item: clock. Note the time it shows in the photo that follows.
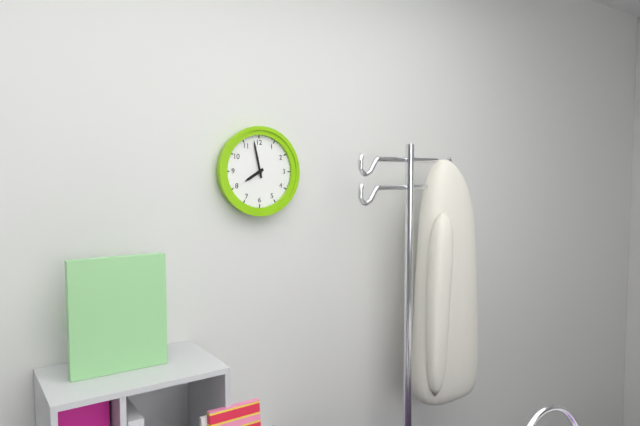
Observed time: 7:58
